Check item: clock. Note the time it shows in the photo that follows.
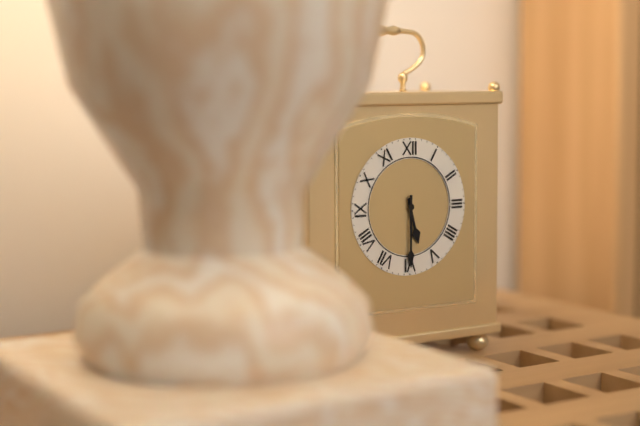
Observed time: 5:30
